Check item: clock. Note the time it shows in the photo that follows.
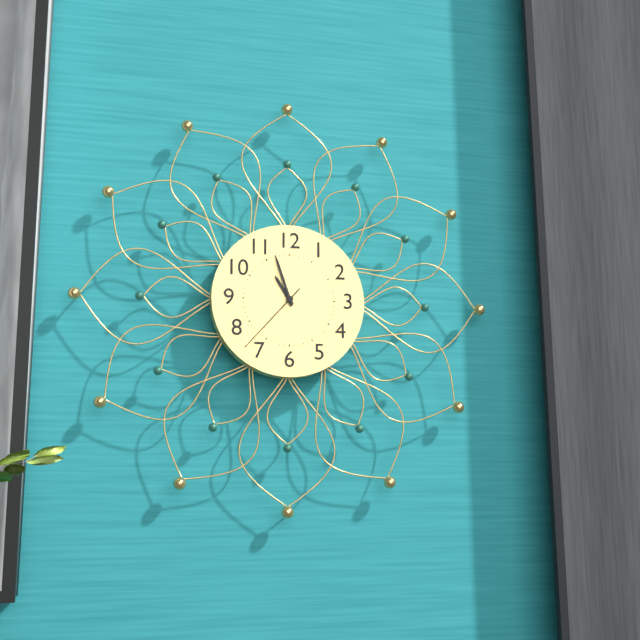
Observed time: 10:57:37
